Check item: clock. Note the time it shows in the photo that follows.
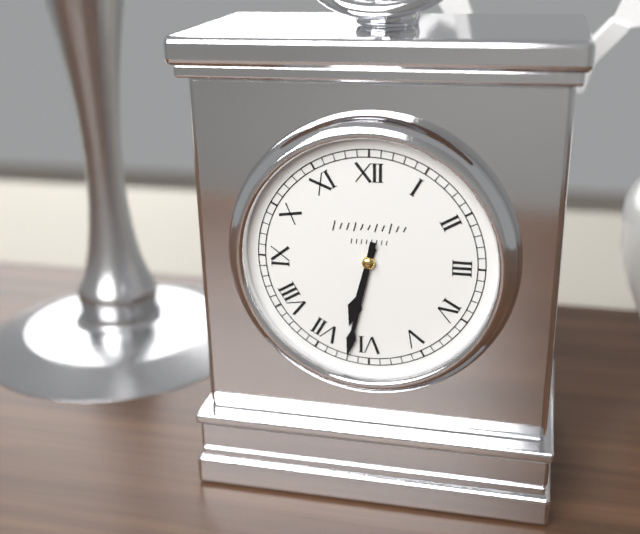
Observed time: 6:32
